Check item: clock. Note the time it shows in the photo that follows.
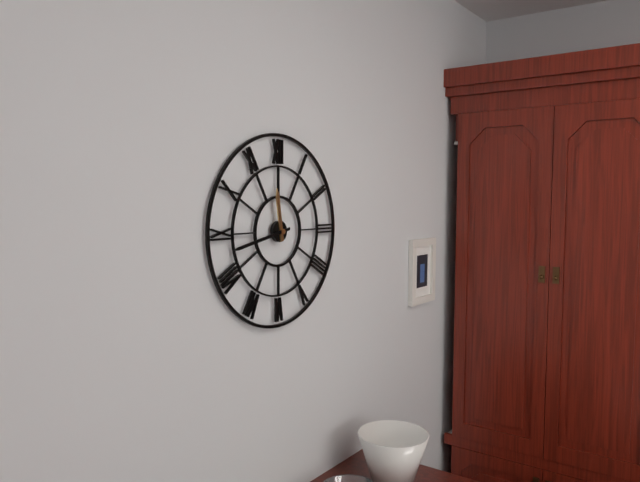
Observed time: 11:43
